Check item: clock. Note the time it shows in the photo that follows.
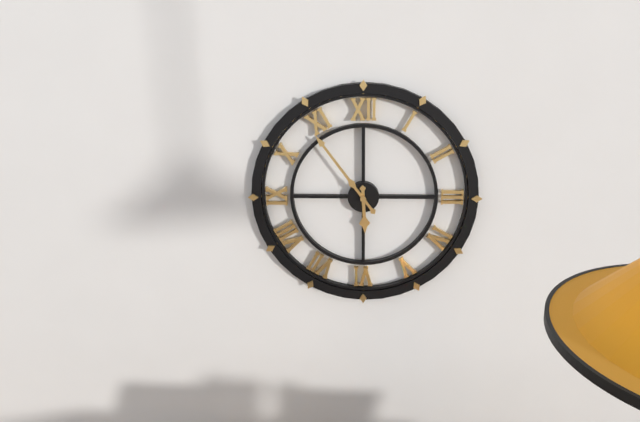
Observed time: 5:54
